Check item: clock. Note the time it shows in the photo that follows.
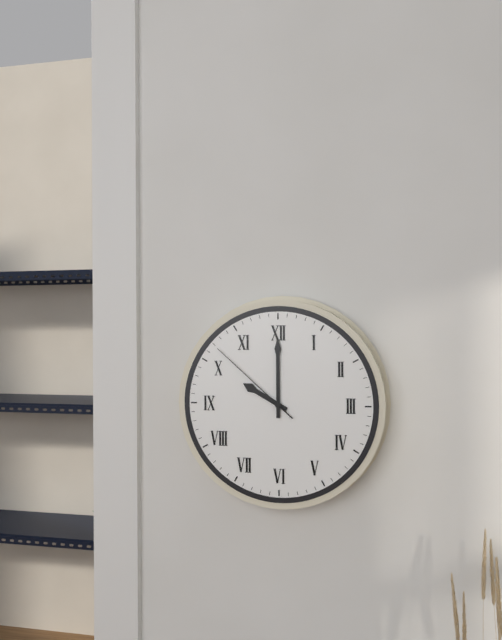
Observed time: 10:00:52
